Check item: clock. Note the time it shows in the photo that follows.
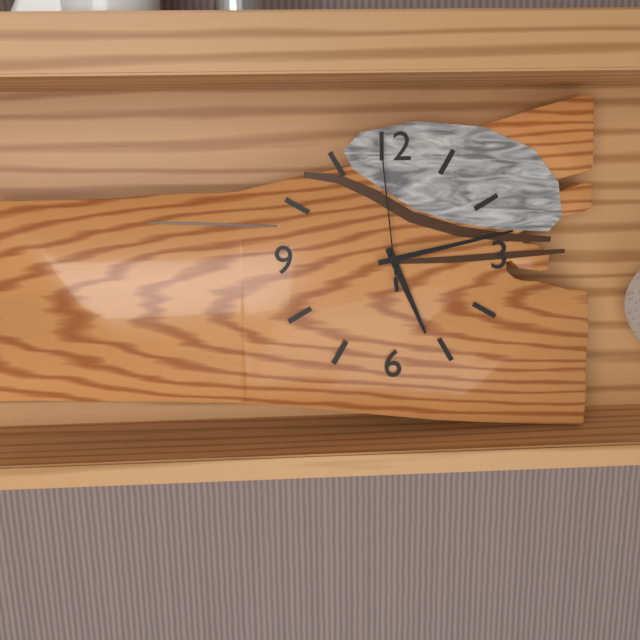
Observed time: 5:13:59
